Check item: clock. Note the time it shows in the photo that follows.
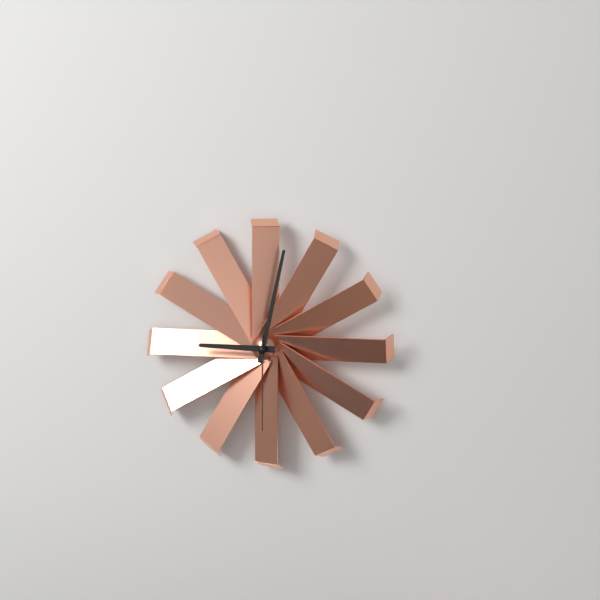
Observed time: 9:02:30
